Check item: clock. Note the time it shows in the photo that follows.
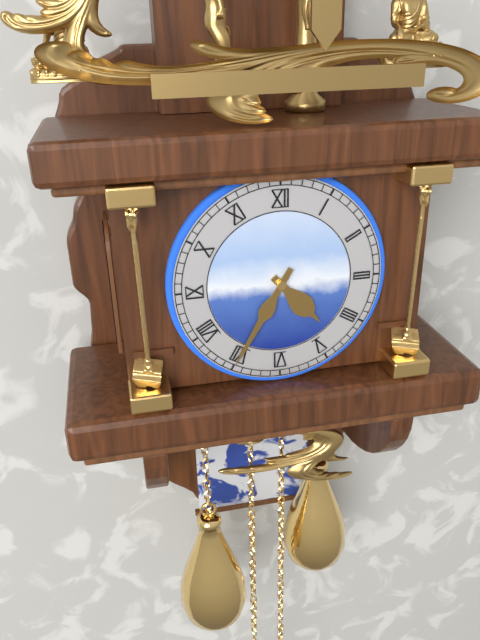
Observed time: 4:35
